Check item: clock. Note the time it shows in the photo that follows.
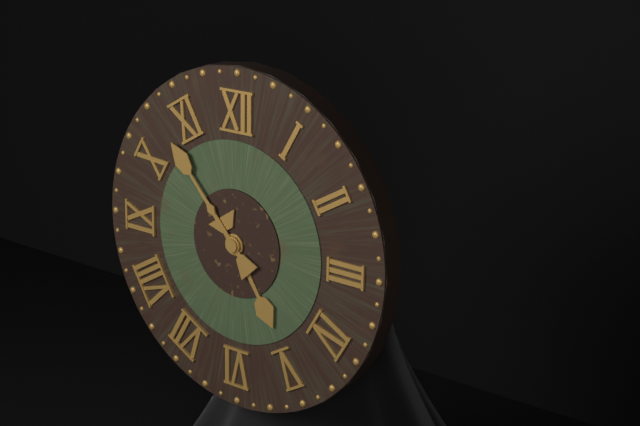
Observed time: 4:53
